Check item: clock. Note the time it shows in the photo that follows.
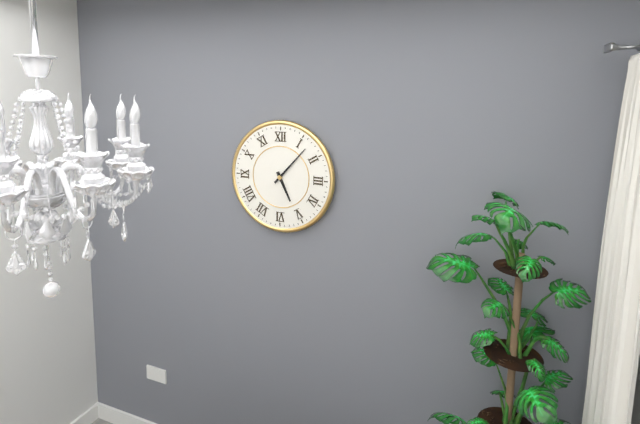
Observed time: 5:07
